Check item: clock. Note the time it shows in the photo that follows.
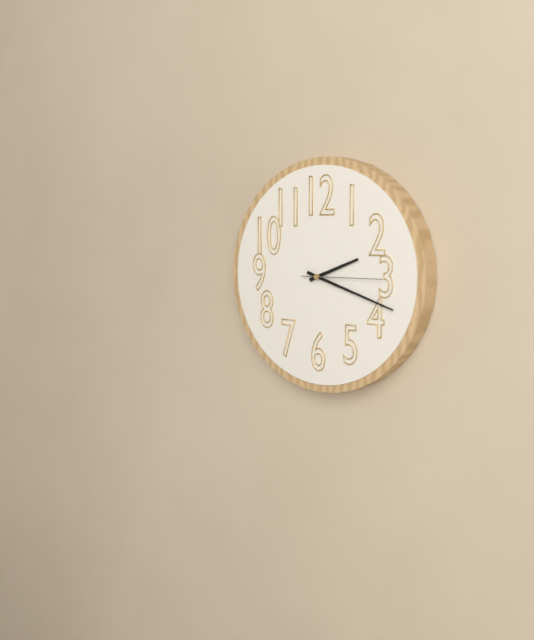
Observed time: 2:18:15
